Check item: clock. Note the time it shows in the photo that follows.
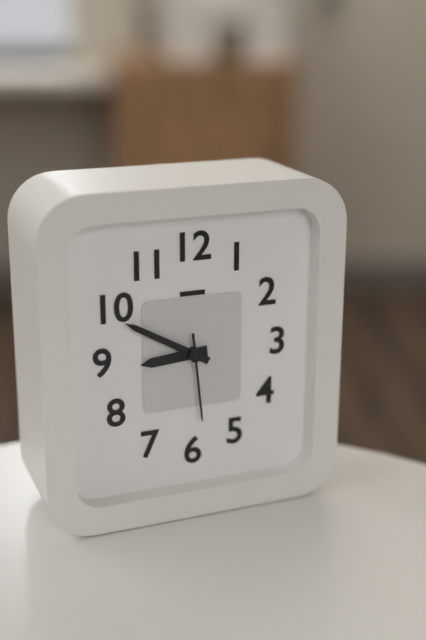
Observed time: 8:50:29
